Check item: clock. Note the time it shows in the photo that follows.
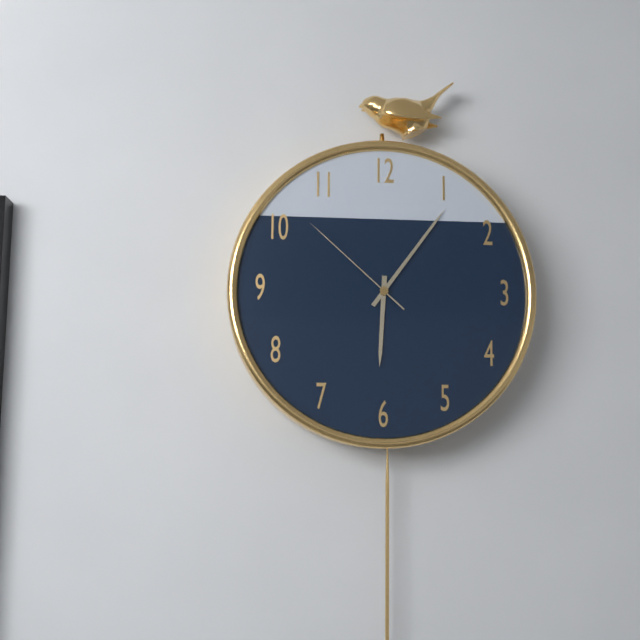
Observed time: 6:06:52
